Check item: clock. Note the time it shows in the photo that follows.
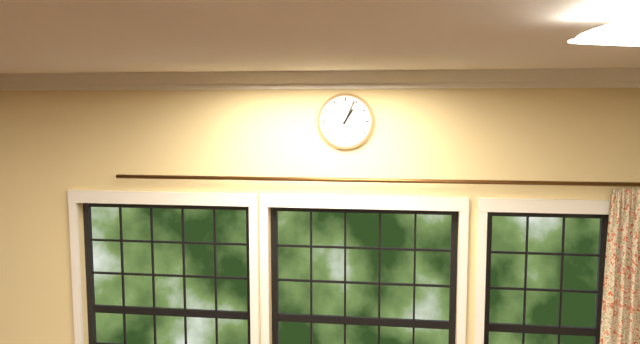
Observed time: 1:04
